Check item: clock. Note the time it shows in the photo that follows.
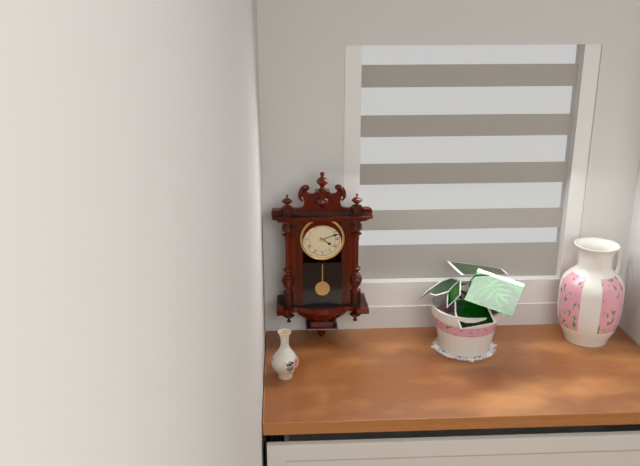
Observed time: 4:12
